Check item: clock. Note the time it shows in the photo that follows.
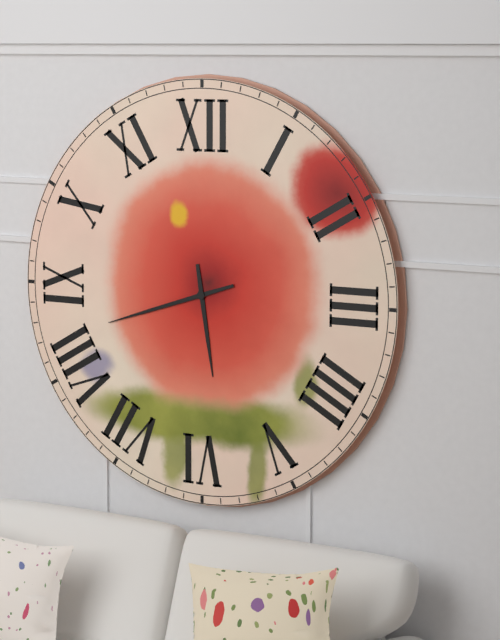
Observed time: 5:42
